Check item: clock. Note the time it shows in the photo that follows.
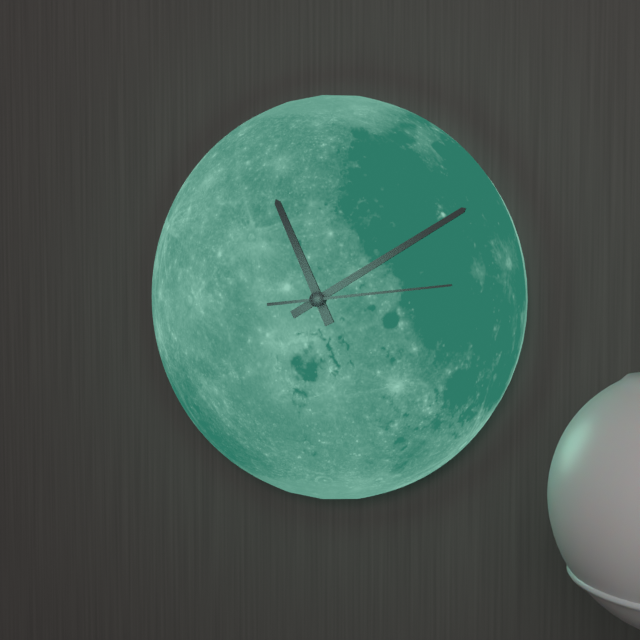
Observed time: 11:10:14
